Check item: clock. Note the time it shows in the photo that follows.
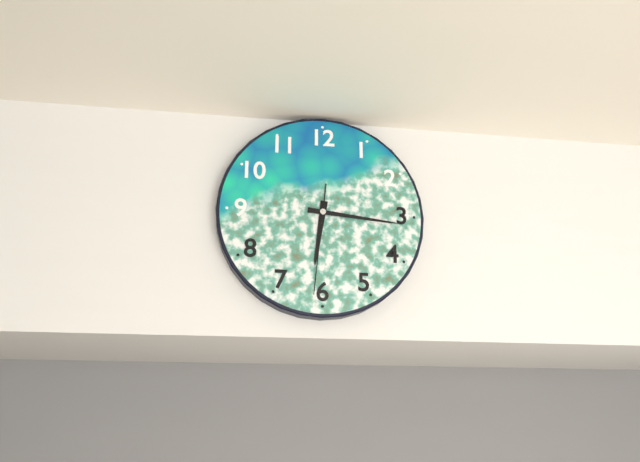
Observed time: 6:16:31
